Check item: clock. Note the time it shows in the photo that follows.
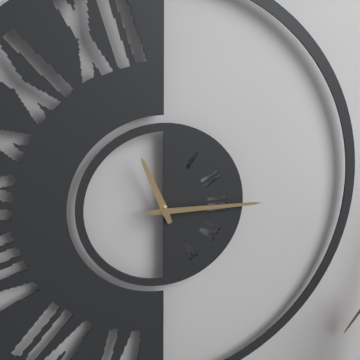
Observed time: 11:15
